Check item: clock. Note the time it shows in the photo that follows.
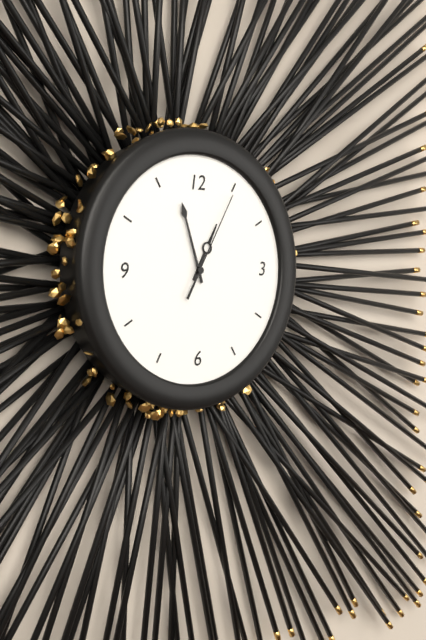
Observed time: 12:57:05
